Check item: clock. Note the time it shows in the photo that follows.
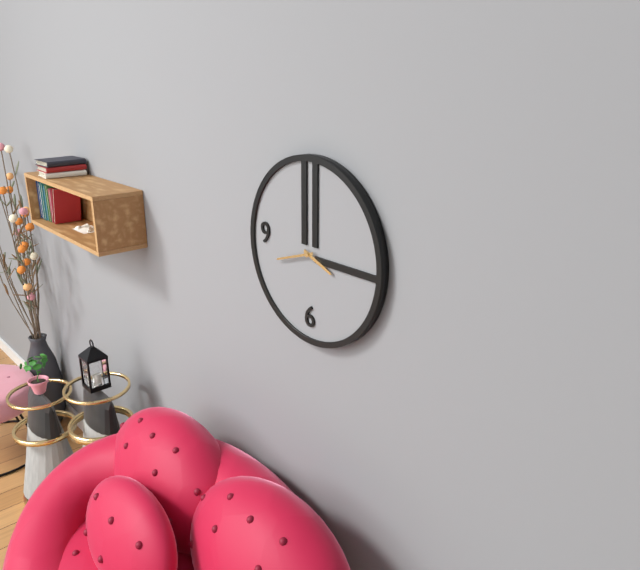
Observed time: 3:42
